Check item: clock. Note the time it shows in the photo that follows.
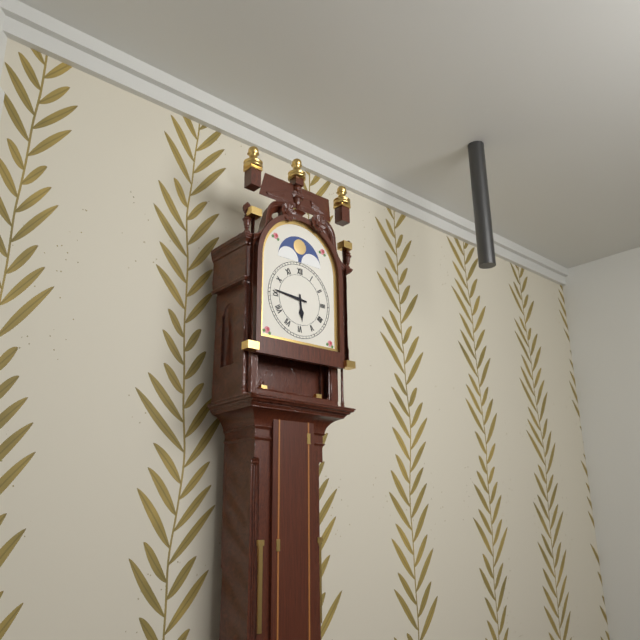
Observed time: 5:46
